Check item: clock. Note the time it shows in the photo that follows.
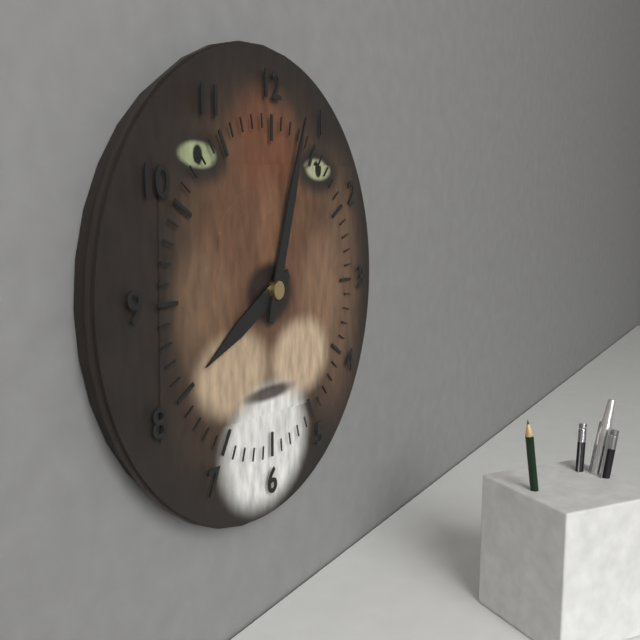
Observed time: 8:03
